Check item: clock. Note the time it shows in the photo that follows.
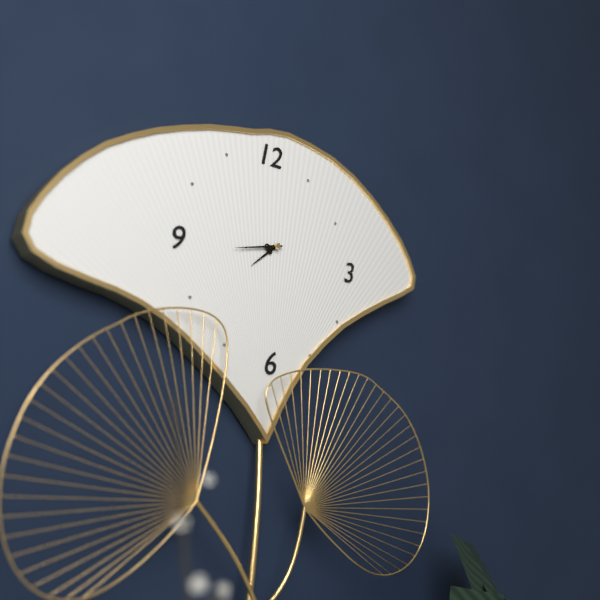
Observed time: 7:43
